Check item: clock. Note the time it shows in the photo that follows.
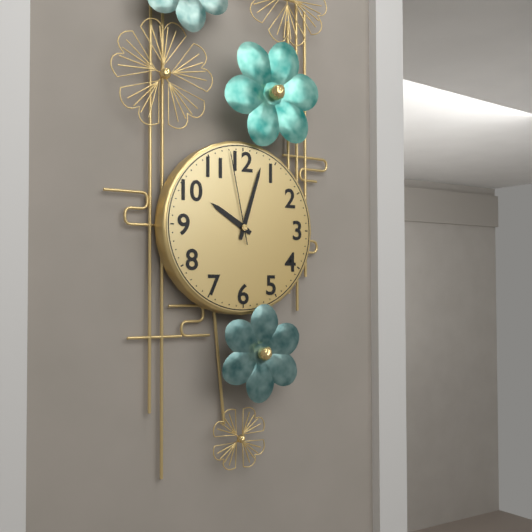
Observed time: 10:03:58
